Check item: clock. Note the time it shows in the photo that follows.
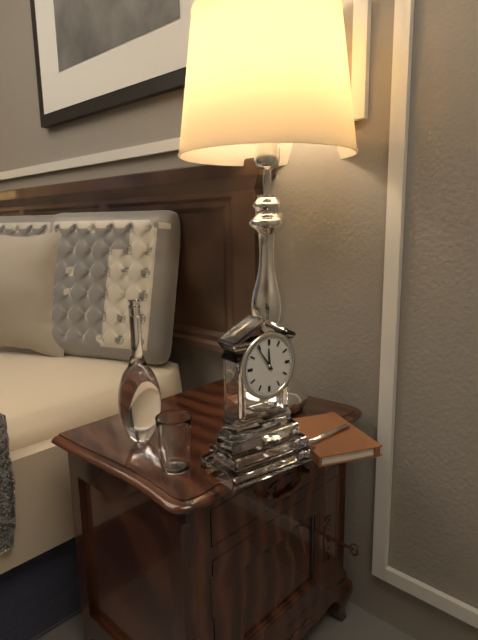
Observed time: 11:54
